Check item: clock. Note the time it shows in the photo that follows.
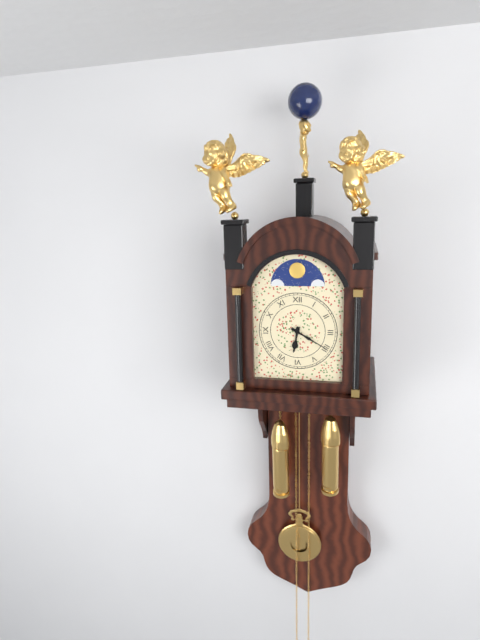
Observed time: 6:20
